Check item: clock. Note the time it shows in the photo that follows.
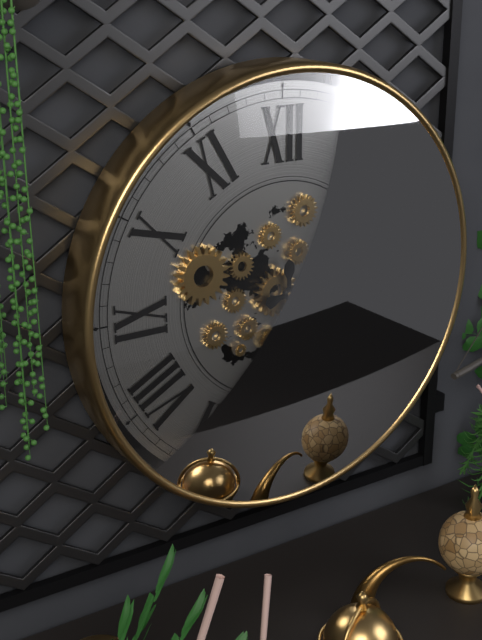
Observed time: 2:30
